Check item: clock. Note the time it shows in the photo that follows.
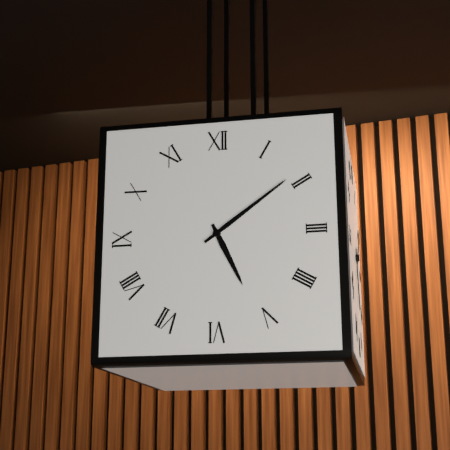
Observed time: 5:09
